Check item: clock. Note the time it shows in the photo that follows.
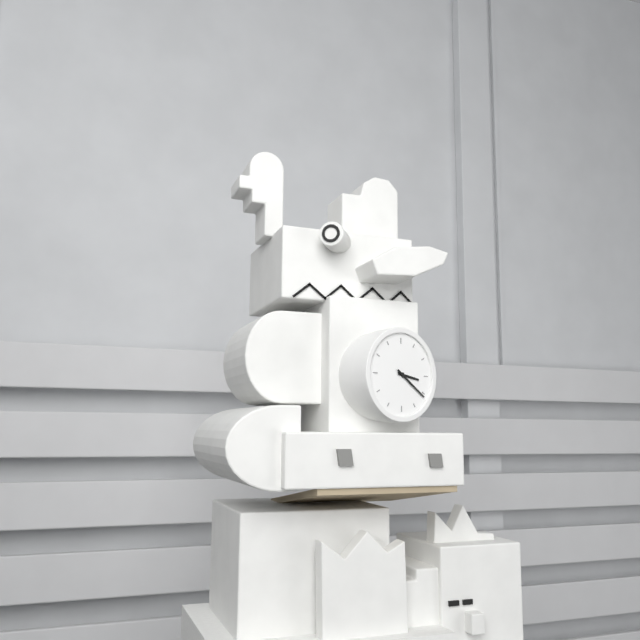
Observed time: 3:21
